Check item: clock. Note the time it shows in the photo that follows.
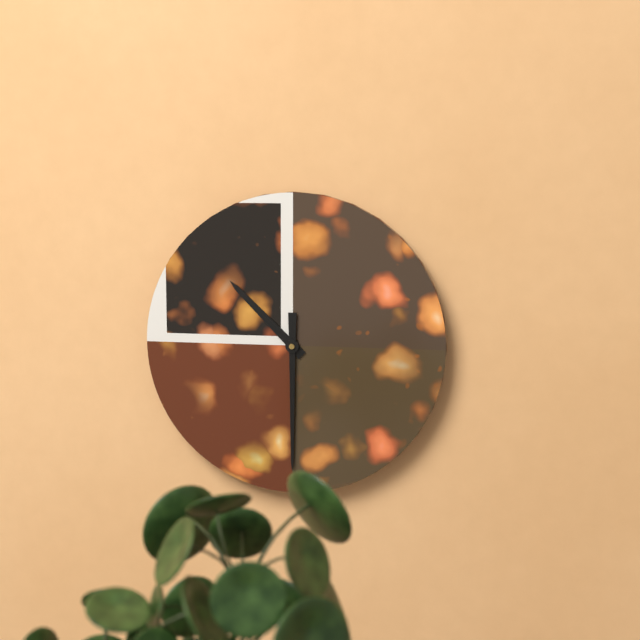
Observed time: 10:30
